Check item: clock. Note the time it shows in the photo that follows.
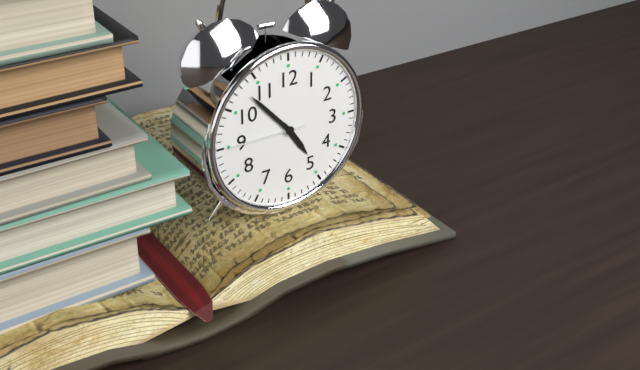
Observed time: 4:53:45
